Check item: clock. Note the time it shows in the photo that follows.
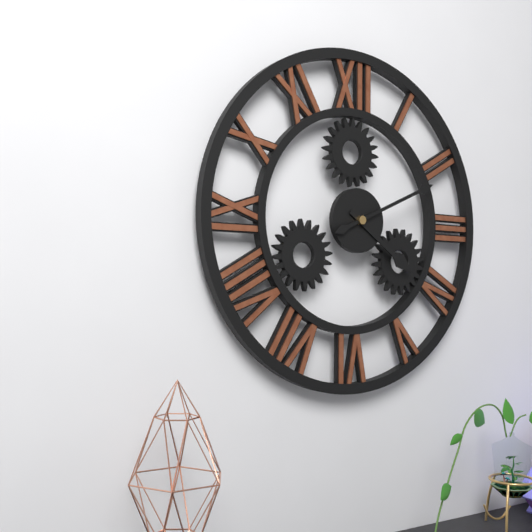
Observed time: 4:11
